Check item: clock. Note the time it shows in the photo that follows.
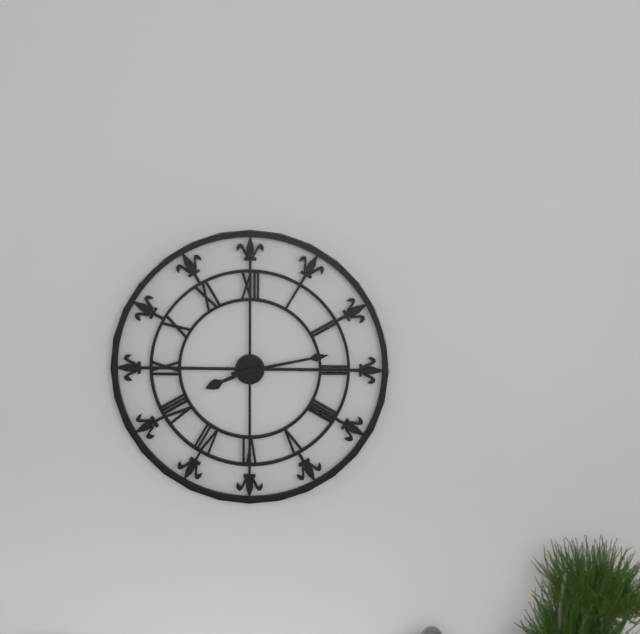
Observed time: 8:13
